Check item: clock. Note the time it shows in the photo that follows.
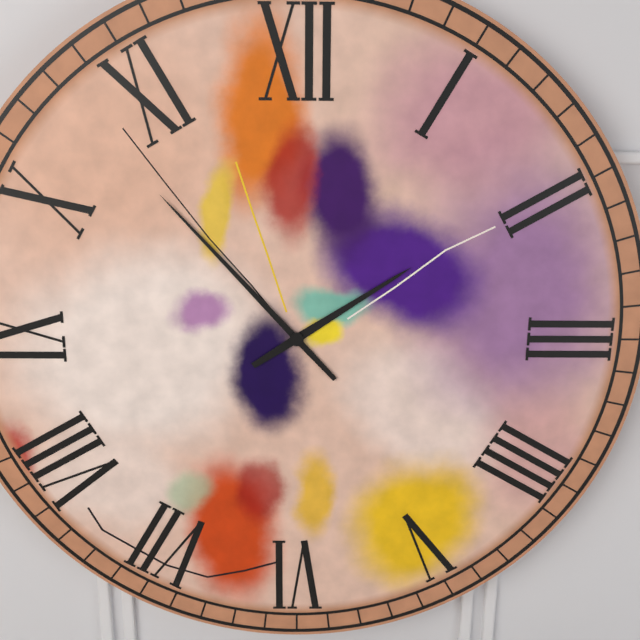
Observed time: 1:53
